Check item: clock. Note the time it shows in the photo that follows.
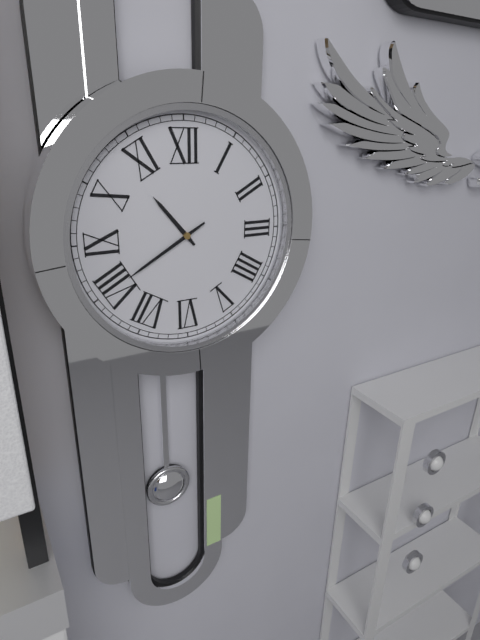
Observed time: 10:40
